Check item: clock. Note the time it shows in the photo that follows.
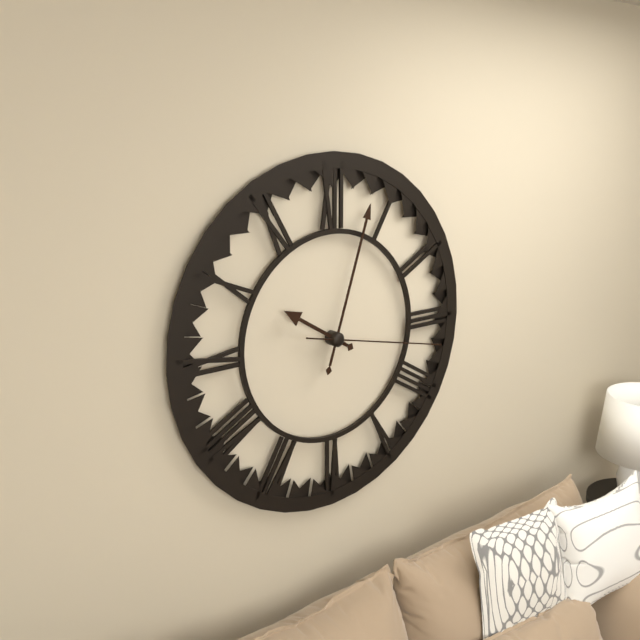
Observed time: 10:03:17
